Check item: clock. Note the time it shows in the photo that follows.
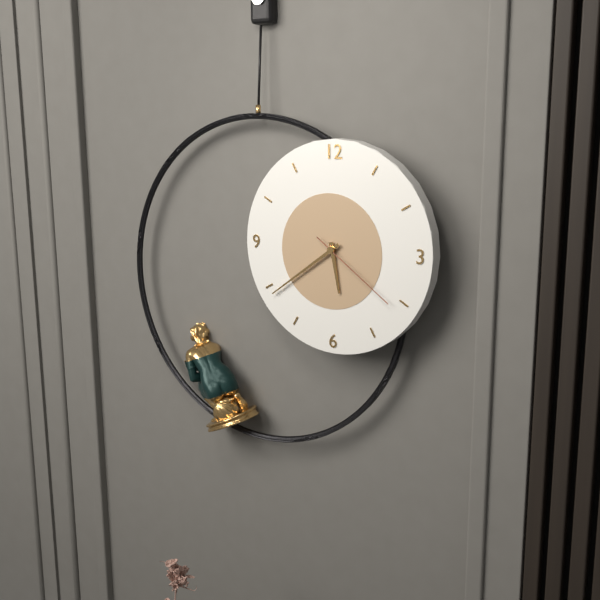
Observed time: 5:39:21
